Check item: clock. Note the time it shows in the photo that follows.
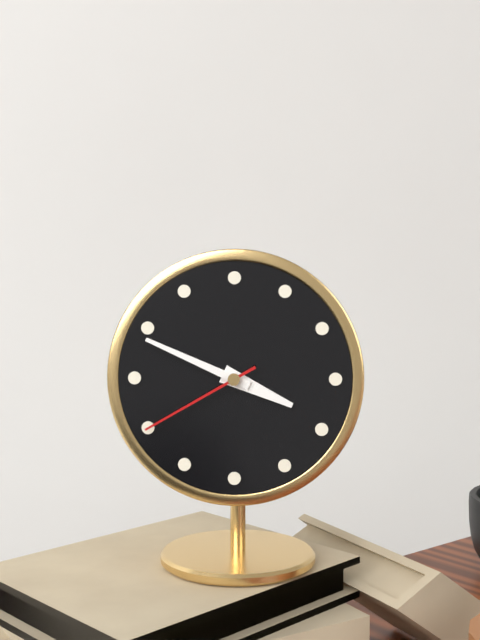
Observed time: 3:49:40
